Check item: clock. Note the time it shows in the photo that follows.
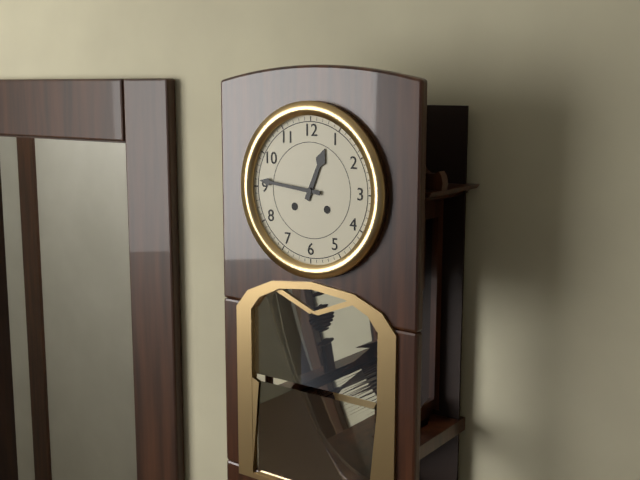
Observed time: 12:46
